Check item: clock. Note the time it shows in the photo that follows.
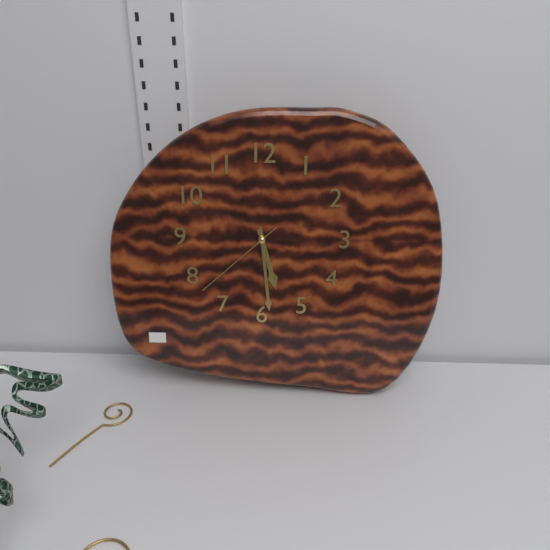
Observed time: 5:29:38
